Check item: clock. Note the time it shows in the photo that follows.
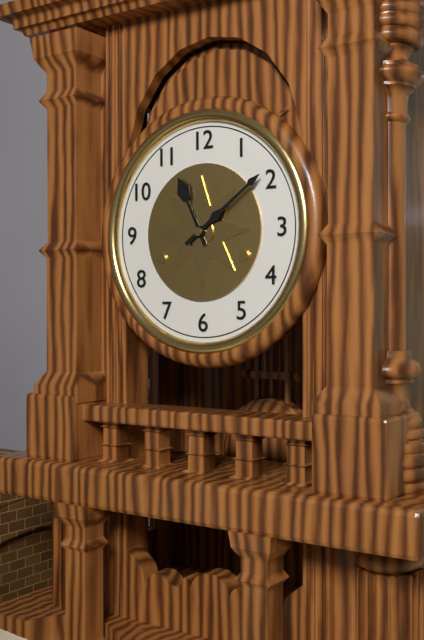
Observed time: 11:09
